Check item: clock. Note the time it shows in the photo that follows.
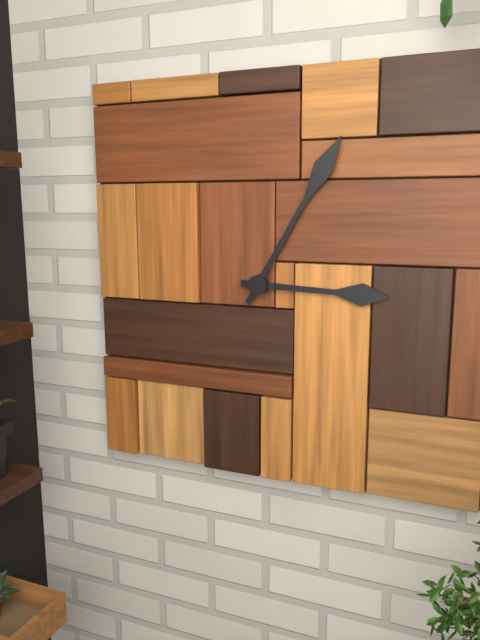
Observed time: 3:05
